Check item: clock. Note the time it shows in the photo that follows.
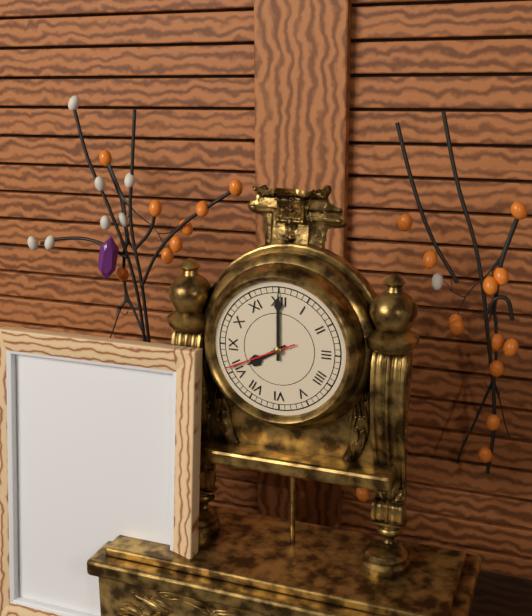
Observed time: 8:00:41
